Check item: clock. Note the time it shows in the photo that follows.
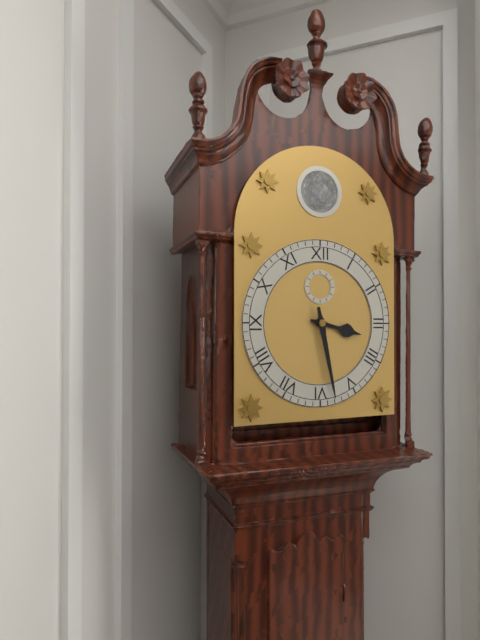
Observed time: 3:28
